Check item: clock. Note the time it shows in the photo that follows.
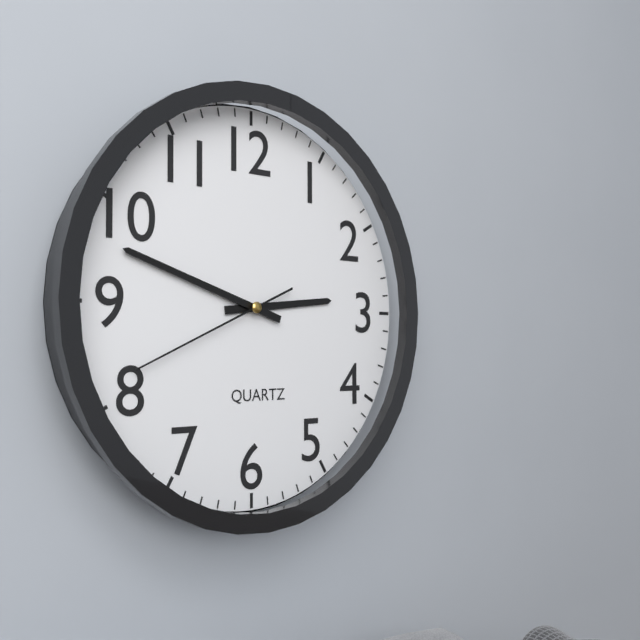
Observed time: 2:48:41
